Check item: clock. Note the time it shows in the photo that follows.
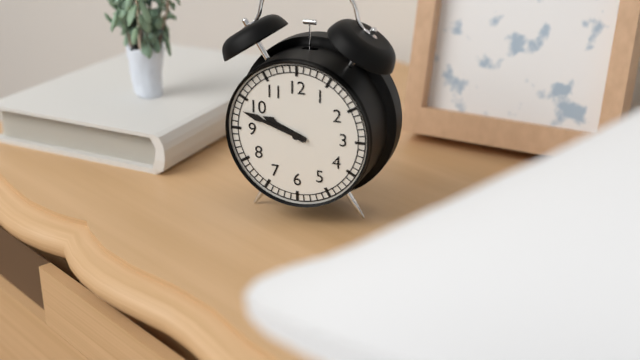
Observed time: 9:48
